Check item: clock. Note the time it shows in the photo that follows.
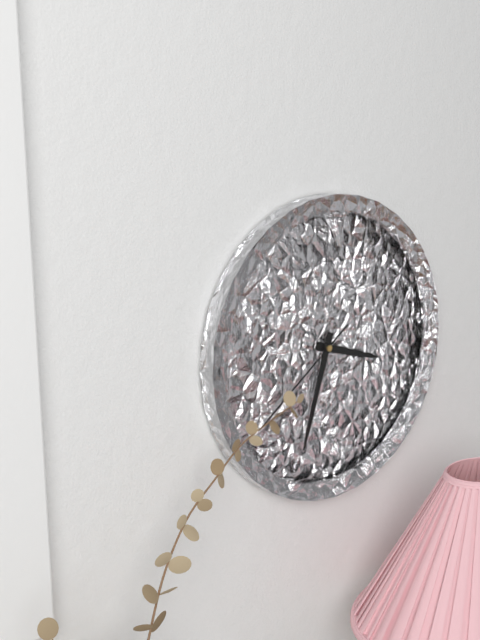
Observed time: 3:33:39
